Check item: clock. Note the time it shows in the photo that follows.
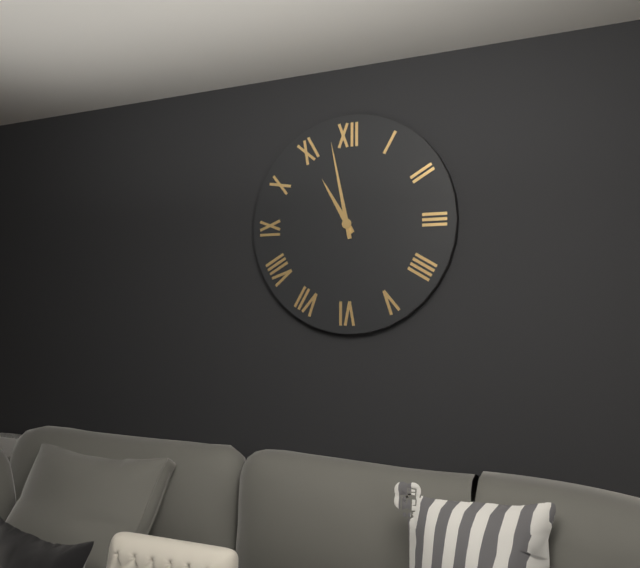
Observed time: 10:58
